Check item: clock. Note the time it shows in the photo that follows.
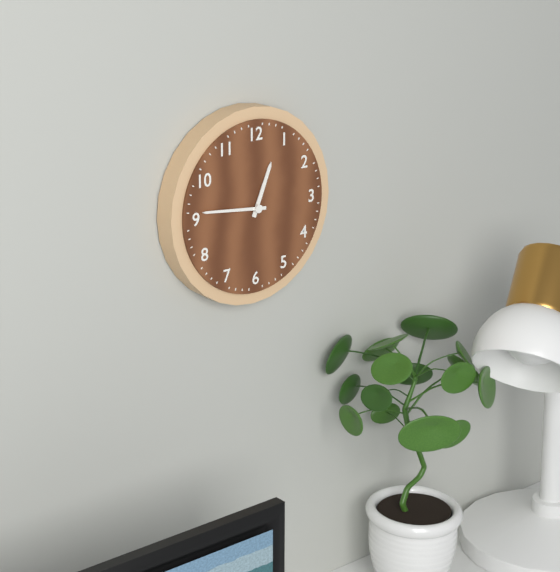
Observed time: 12:46
